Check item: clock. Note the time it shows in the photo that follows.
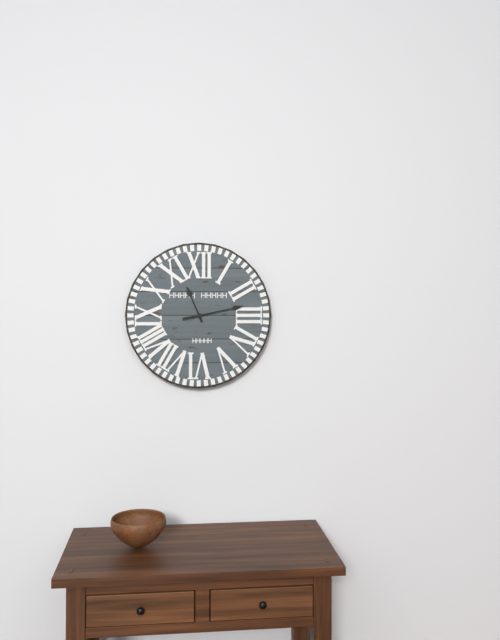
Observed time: 11:13
